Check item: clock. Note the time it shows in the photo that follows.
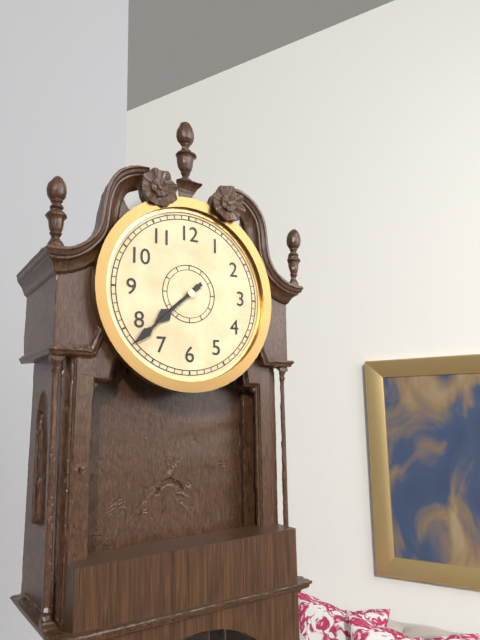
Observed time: 7:38
